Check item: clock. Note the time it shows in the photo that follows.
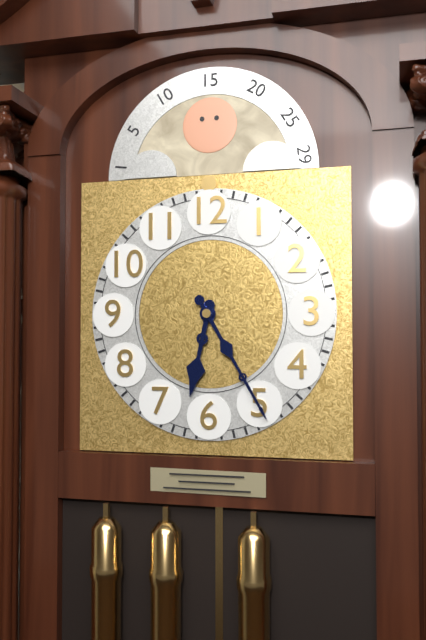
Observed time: 6:25
